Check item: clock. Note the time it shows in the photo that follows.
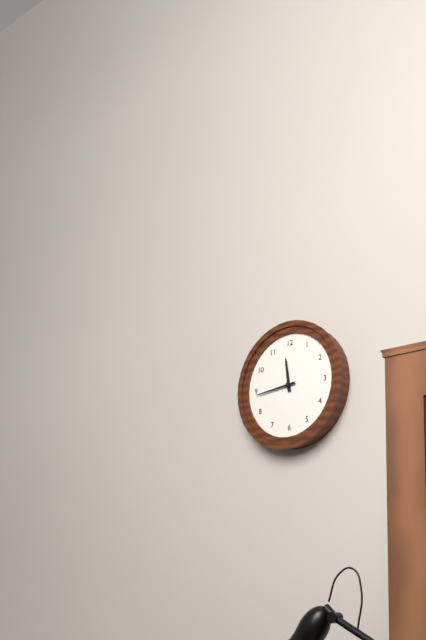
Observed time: 11:44
